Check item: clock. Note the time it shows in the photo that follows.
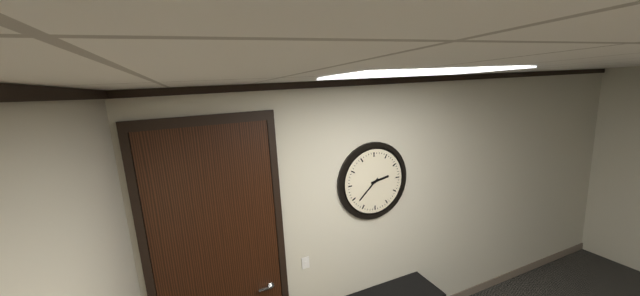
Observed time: 2:38
